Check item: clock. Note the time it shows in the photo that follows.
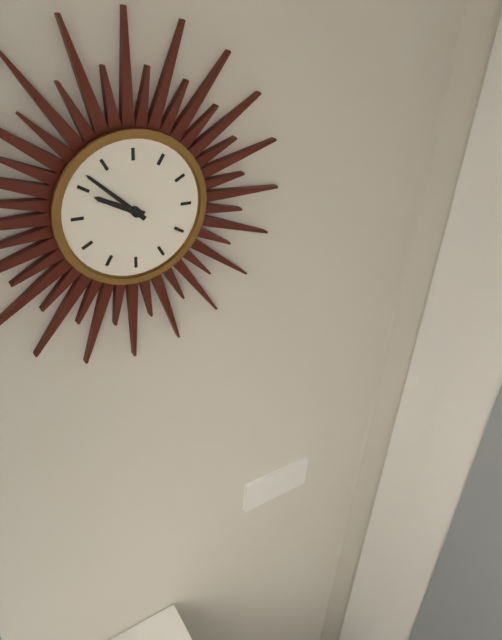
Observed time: 9:52
